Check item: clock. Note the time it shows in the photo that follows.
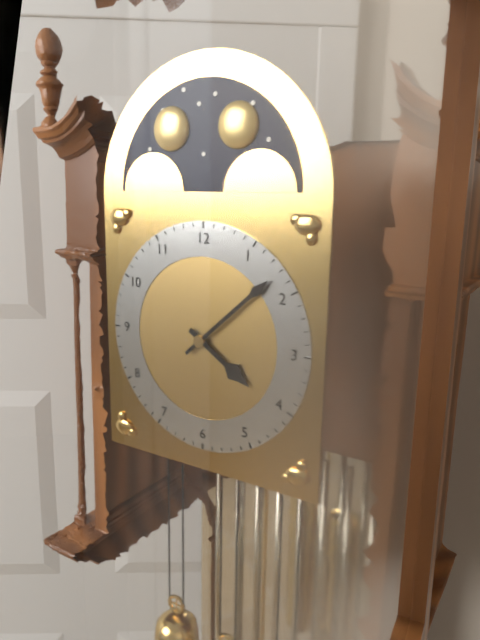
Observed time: 4:08
